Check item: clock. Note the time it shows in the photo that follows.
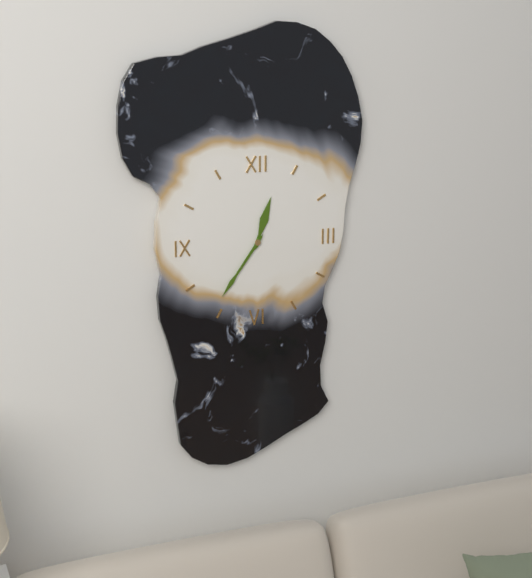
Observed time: 12:36
